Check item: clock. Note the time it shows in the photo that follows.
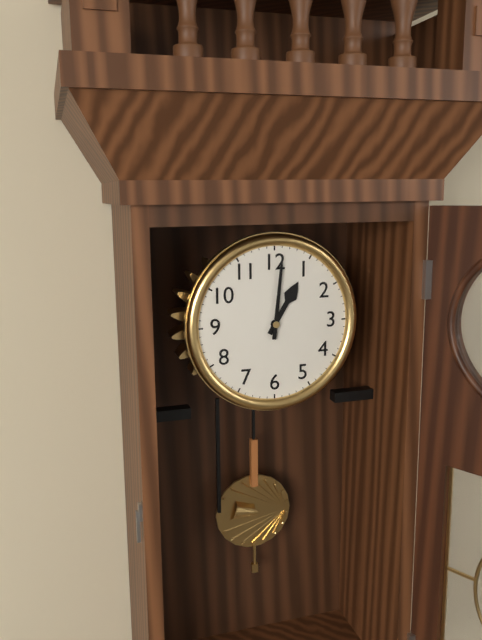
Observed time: 1:01
